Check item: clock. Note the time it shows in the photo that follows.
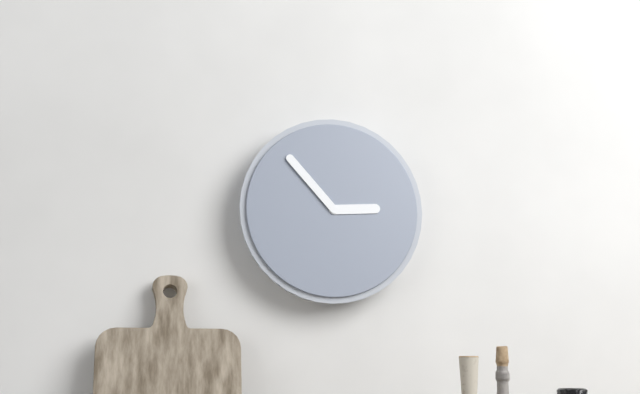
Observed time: 2:53
